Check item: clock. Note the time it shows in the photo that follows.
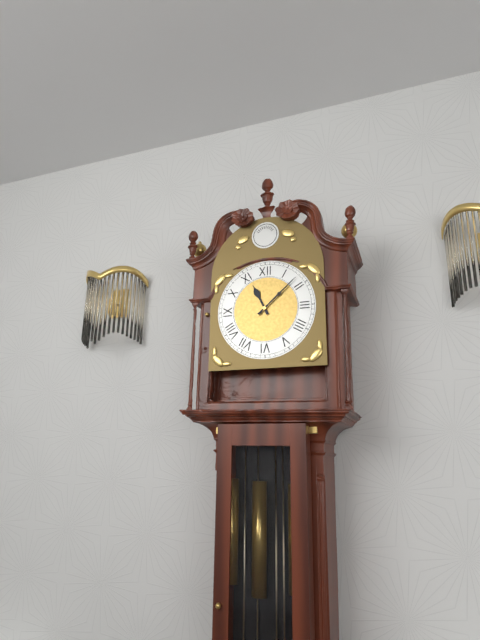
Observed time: 11:08
